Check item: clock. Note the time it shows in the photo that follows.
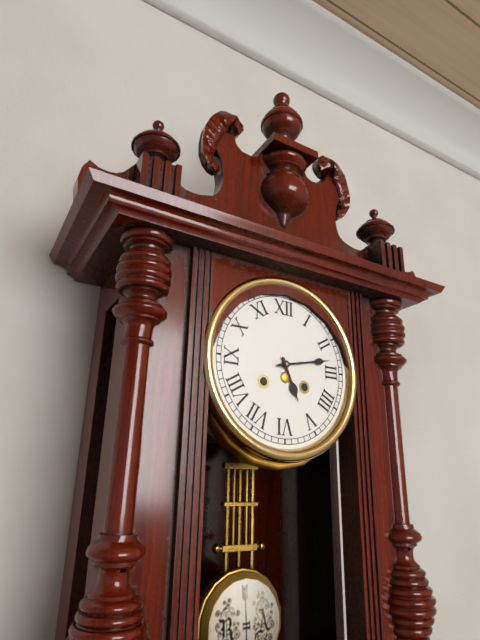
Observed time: 5:13
